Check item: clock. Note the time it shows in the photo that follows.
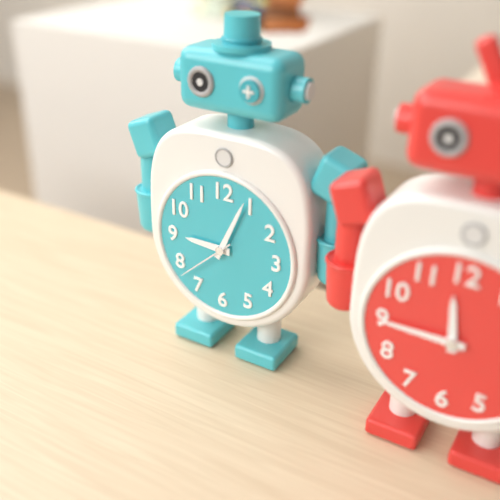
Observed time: 9:04:38
